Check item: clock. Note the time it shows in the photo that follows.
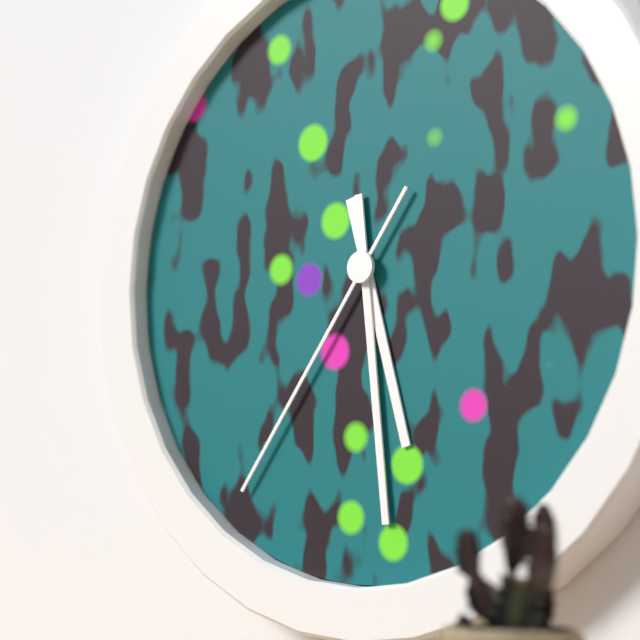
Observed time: 5:29:36
